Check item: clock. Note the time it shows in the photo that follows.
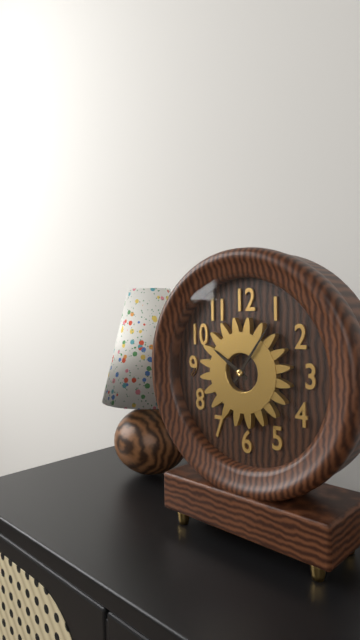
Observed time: 10:06
